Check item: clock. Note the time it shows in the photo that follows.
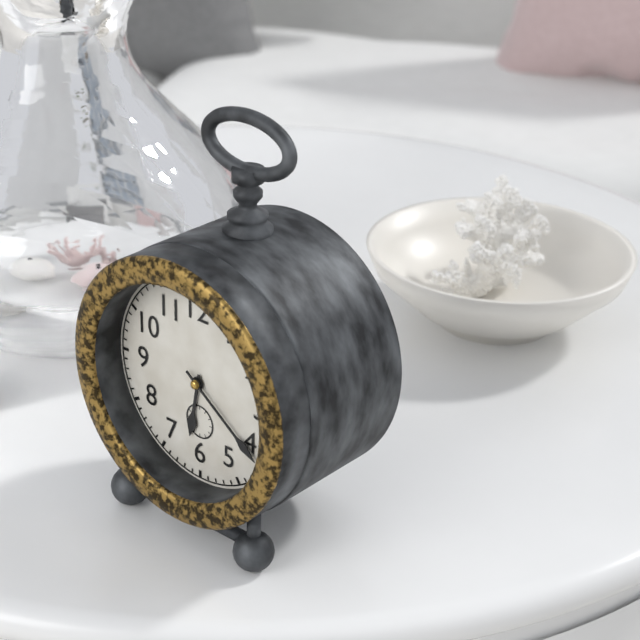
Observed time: 6:21
